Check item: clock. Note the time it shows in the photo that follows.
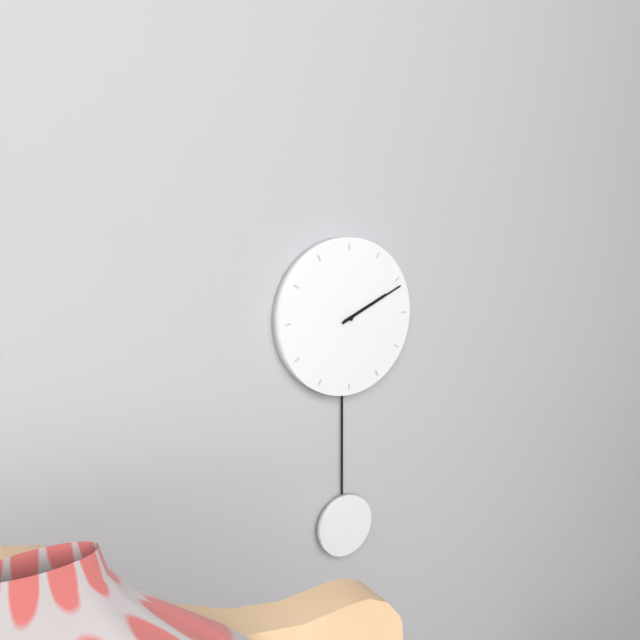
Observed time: 2:11
